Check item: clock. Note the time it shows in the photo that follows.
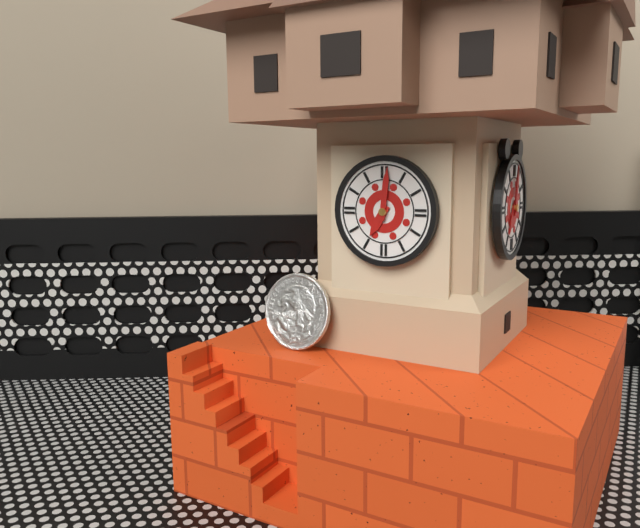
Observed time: 7:01
